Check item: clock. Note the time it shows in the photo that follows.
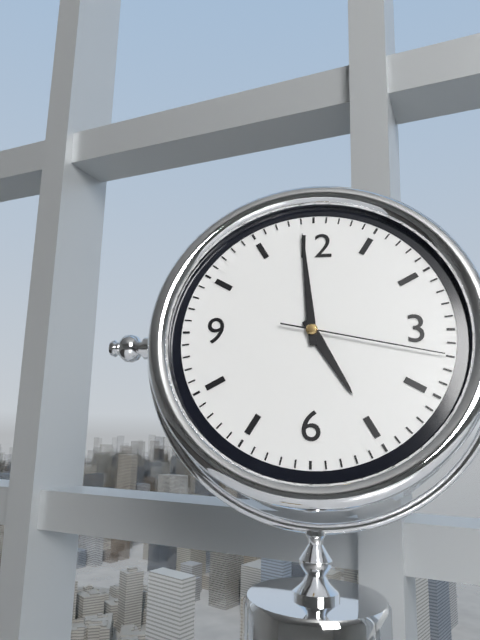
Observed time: 4:59:17
